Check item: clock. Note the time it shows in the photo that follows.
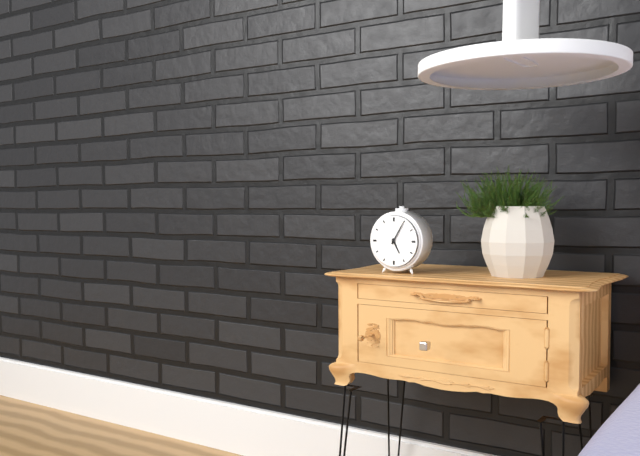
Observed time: 5:05
